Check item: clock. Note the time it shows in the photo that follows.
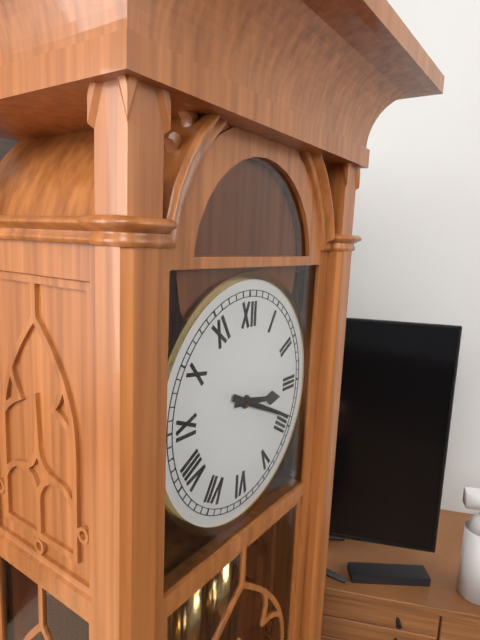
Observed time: 3:19
